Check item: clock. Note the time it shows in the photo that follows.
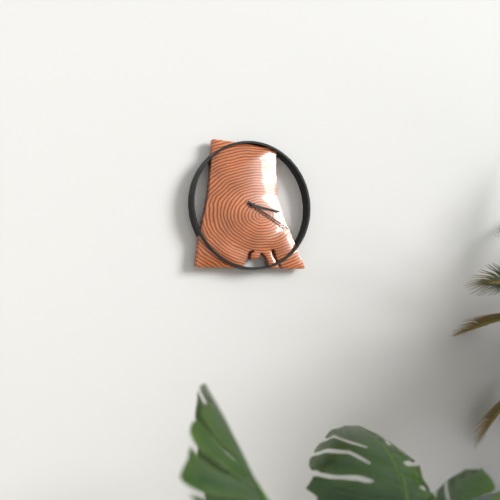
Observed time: 3:20
